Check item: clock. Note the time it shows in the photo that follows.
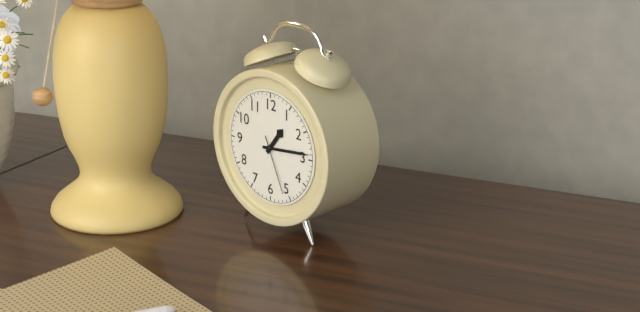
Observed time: 1:14:26
